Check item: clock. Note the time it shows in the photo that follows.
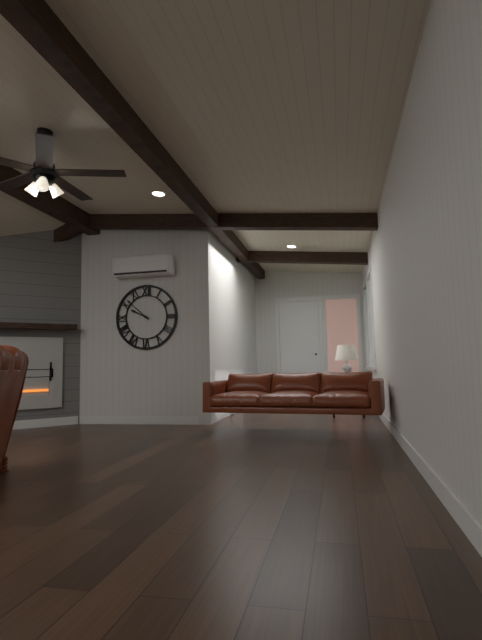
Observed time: 9:52
